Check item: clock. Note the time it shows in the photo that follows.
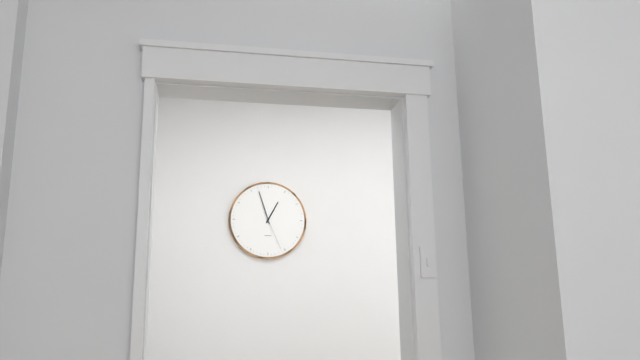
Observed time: 12:57
